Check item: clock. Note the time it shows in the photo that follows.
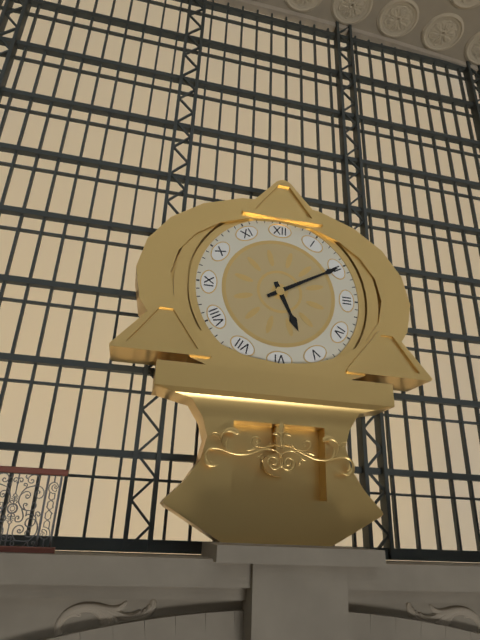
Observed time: 5:10
